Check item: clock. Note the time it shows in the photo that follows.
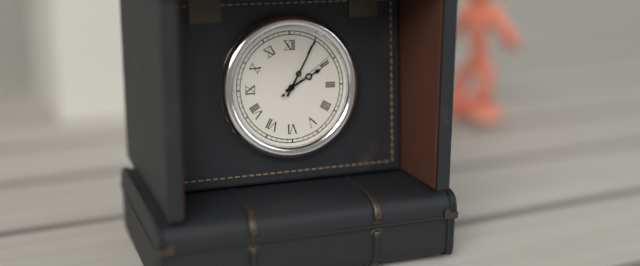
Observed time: 2:05:09
